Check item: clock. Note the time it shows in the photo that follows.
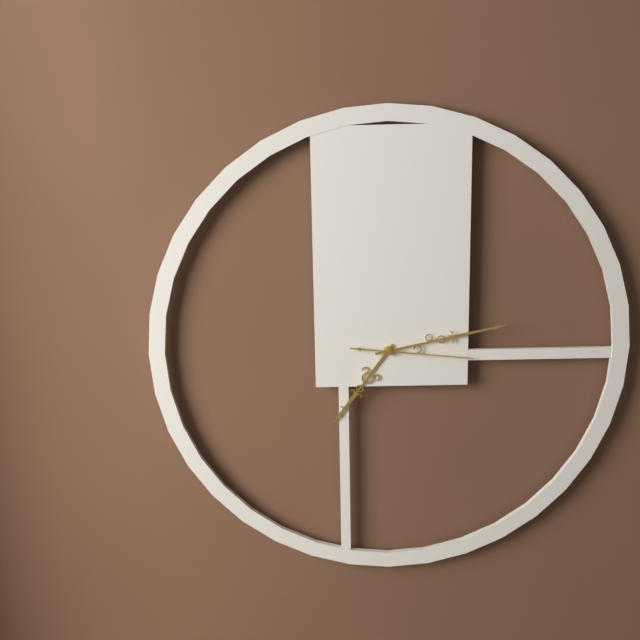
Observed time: 7:13:16
